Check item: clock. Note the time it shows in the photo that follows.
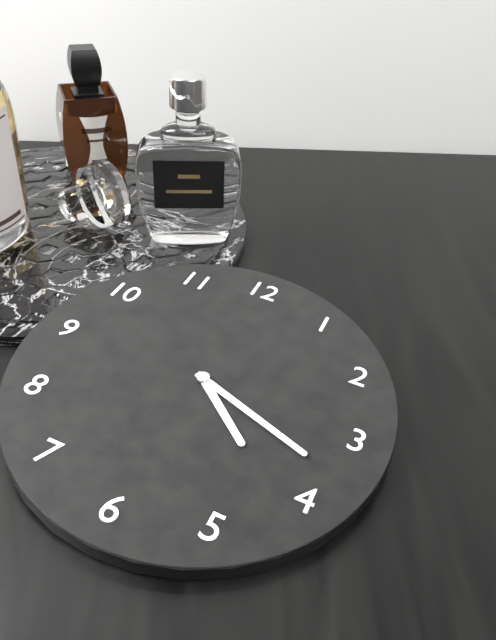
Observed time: 4:18
